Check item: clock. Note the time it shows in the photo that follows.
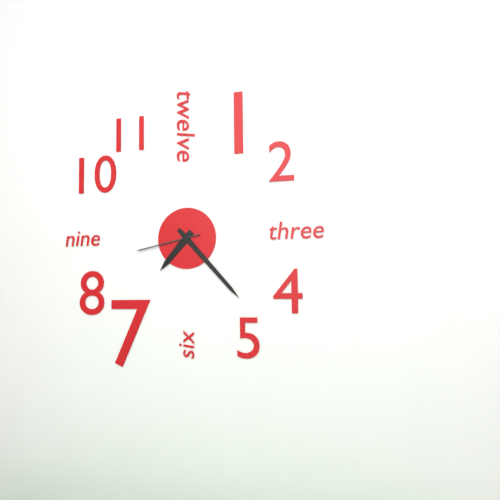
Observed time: 7:23:43
